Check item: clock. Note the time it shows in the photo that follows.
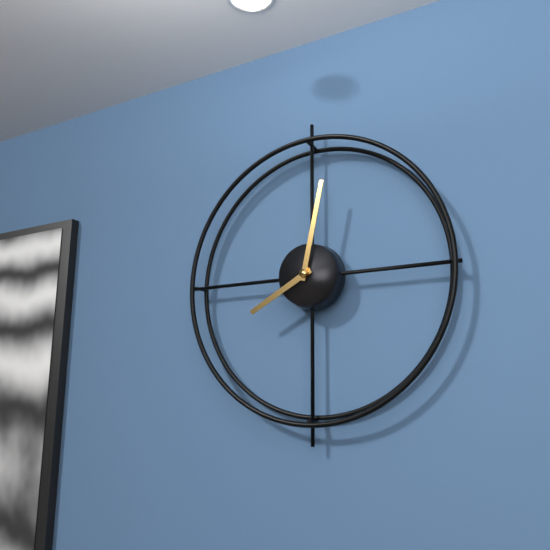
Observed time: 8:02
